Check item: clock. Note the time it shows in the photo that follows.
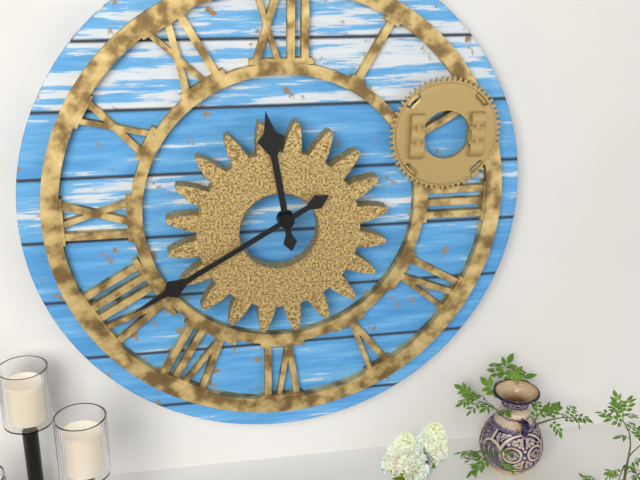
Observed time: 11:40
